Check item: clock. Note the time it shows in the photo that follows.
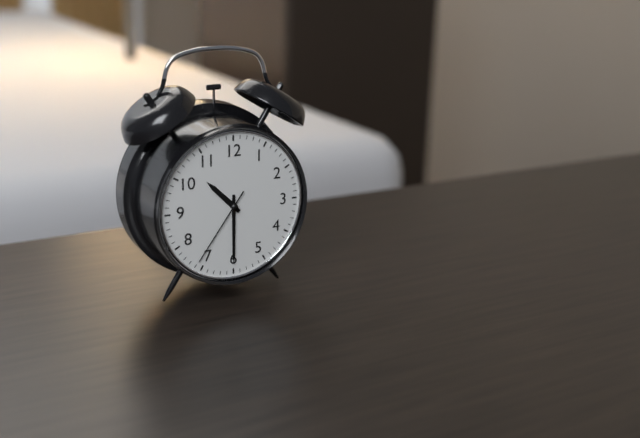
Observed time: 10:30:36
